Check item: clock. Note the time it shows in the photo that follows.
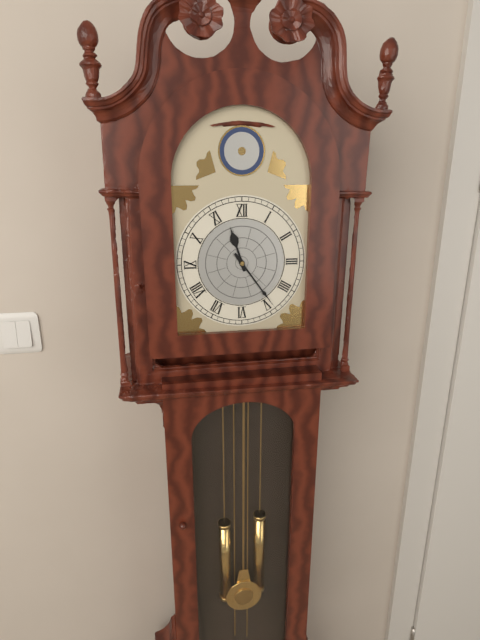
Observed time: 11:24
